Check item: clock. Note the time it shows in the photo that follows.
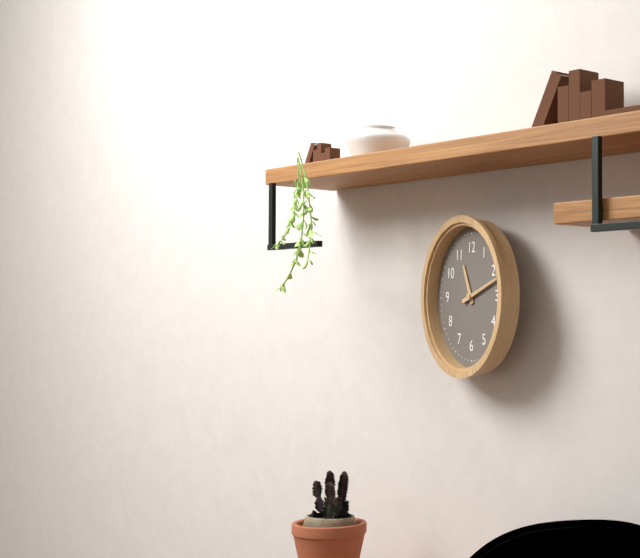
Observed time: 11:12
